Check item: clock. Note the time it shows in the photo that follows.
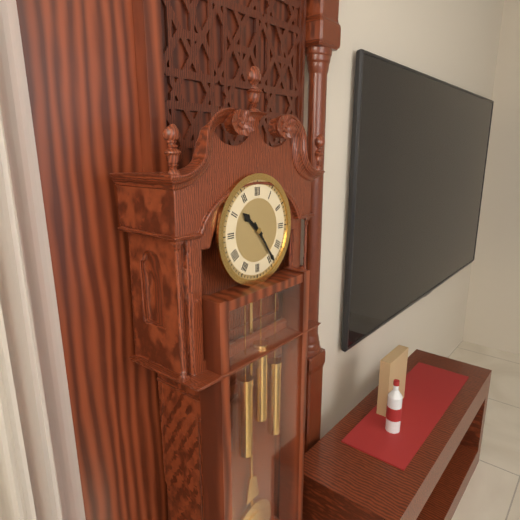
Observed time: 10:24
